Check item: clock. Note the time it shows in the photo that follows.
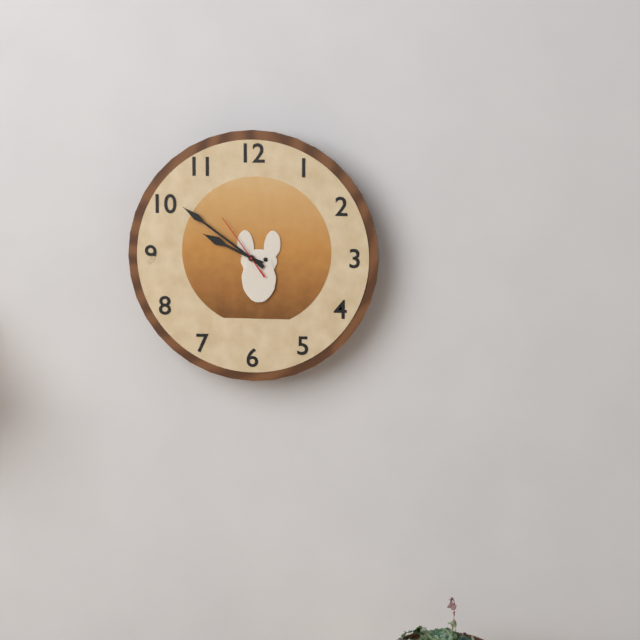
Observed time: 9:51:54
